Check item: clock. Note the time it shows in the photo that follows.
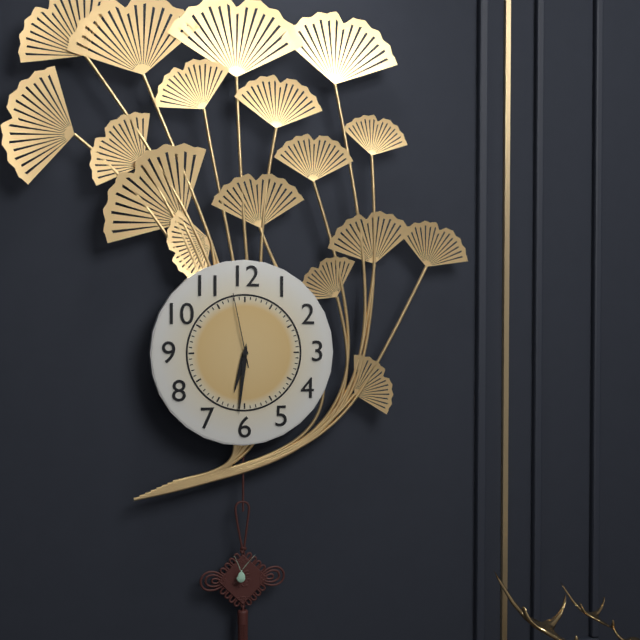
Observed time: 6:31:58
